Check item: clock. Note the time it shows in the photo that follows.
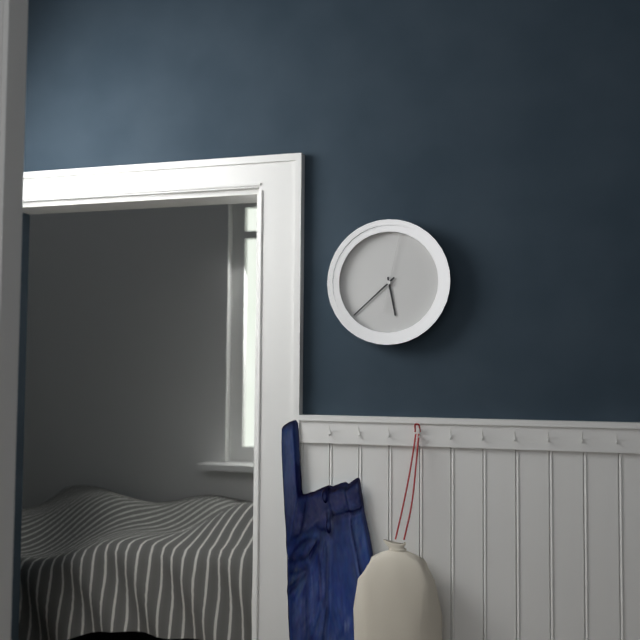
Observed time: 5:38:02
